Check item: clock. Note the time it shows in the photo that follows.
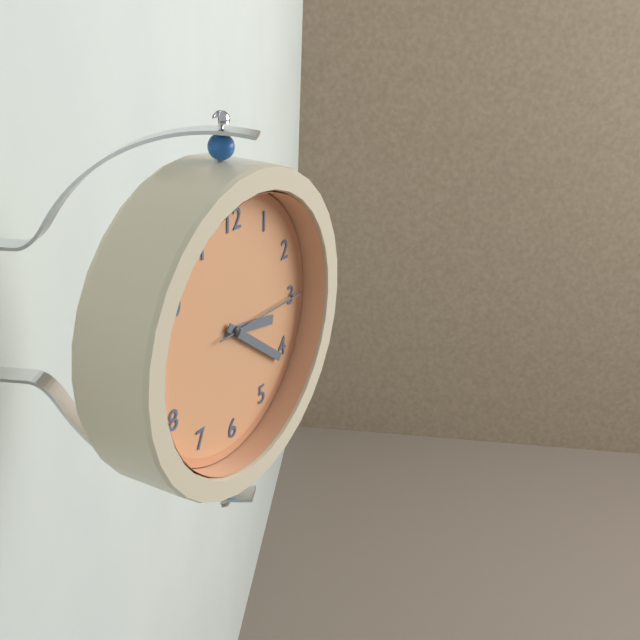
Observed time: 3:21:15
